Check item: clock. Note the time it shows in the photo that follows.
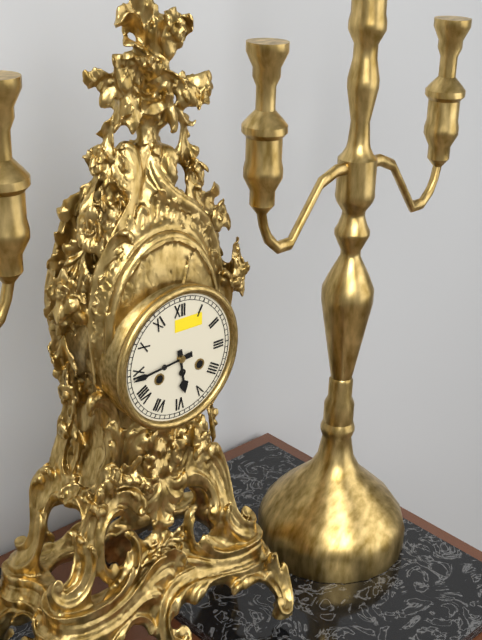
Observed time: 5:44
